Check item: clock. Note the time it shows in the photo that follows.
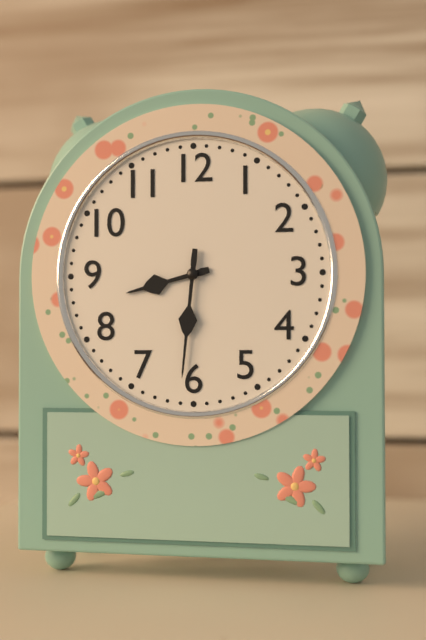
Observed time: 8:31
